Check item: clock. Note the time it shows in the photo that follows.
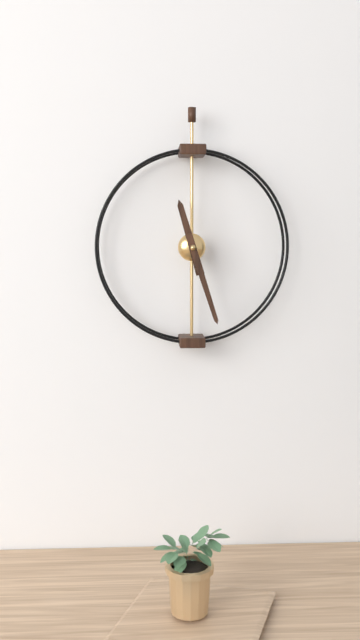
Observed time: 11:27
